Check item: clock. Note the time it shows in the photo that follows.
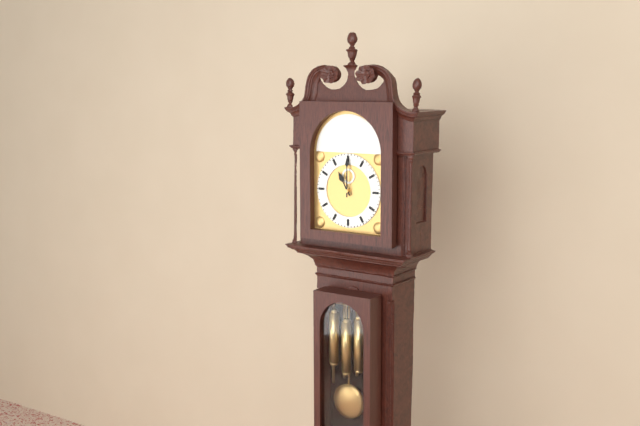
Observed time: 11:00
